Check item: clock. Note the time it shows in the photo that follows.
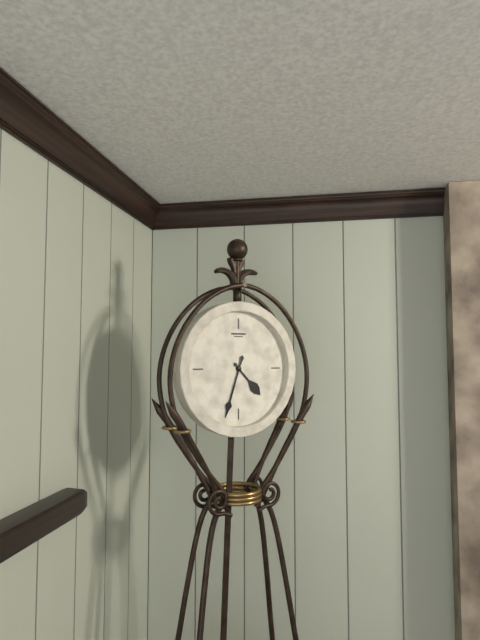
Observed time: 4:33
